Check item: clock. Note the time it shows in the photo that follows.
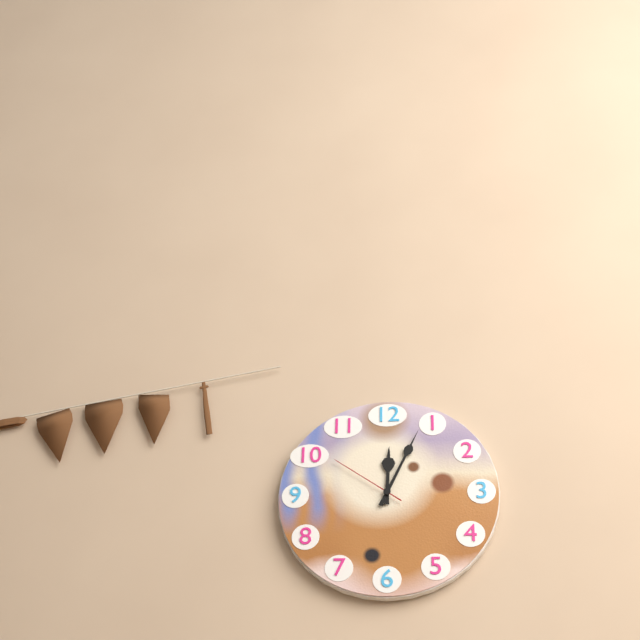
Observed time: 12:04:51
